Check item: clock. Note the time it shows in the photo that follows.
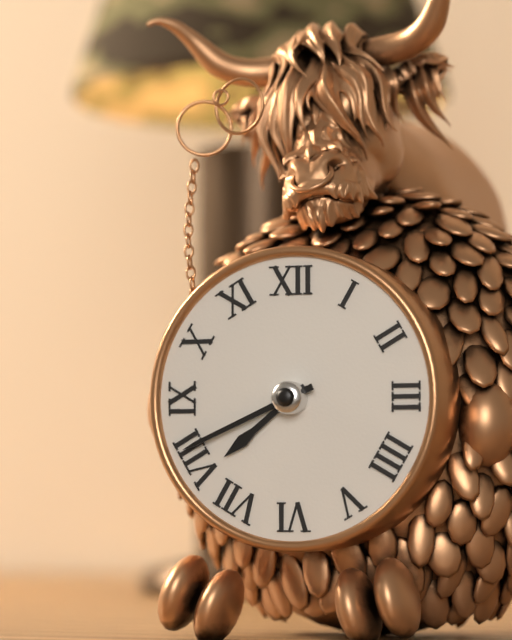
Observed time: 7:41
